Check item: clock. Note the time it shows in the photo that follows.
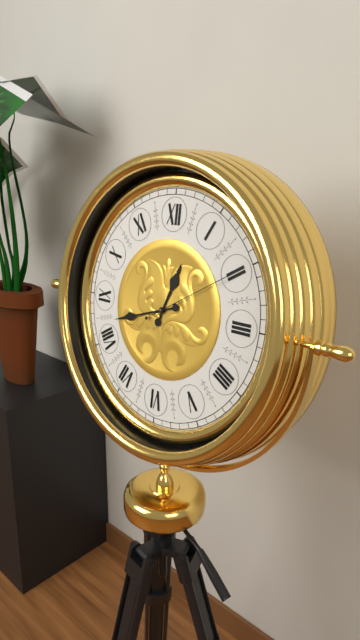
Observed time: 12:42:10
